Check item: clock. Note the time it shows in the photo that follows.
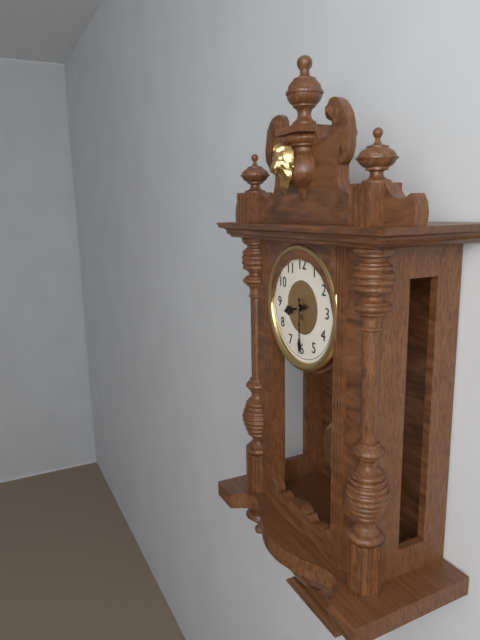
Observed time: 8:30
